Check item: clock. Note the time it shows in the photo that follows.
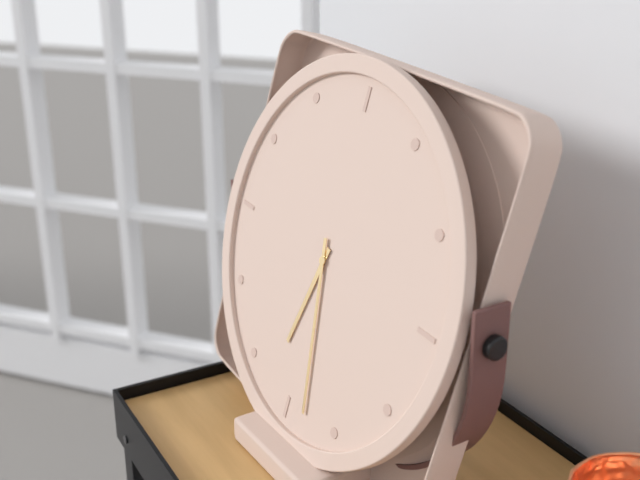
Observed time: 6:28
